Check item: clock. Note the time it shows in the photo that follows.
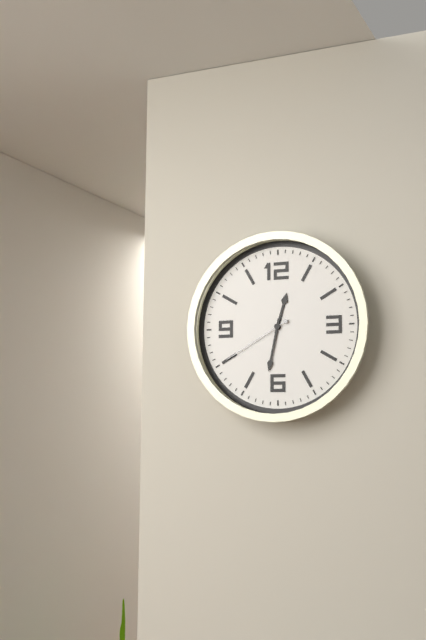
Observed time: 12:32:40
